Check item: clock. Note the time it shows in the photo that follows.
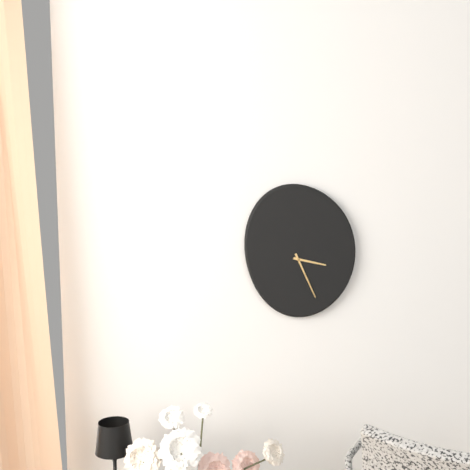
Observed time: 3:26
